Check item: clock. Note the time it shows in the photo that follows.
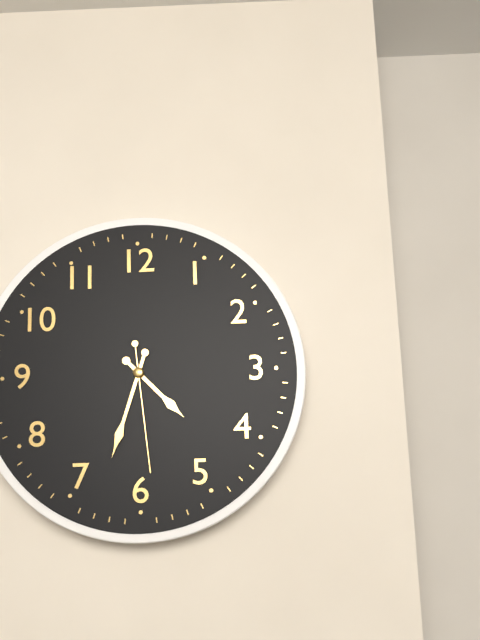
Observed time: 4:33:29
